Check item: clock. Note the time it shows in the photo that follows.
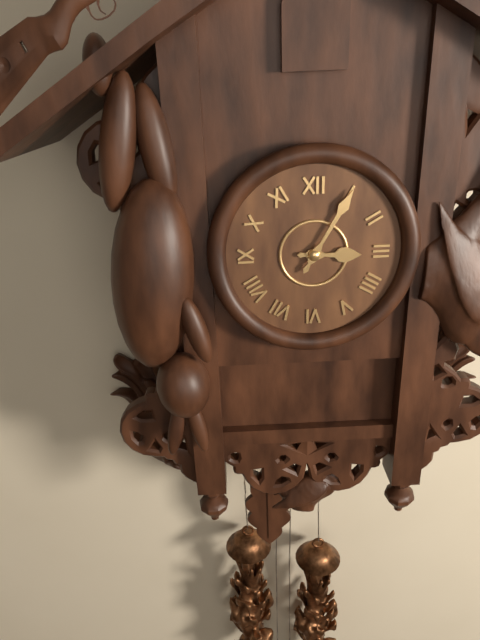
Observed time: 3:05
